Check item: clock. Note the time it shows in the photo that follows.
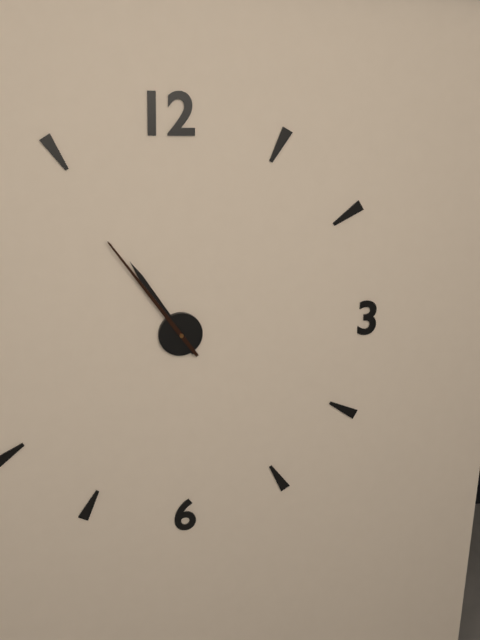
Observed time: 10:54
